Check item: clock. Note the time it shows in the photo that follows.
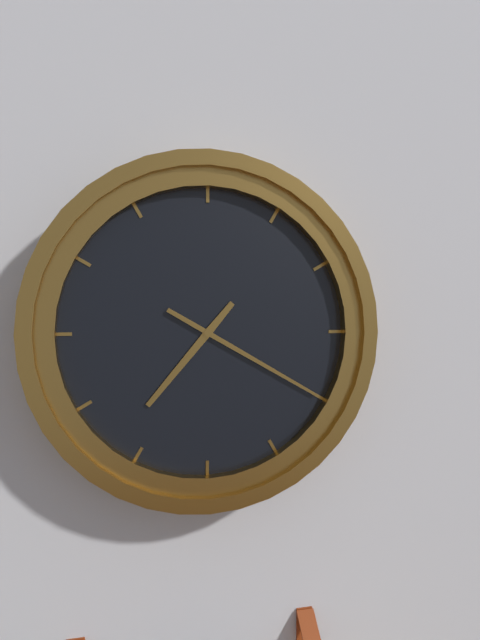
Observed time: 7:20
